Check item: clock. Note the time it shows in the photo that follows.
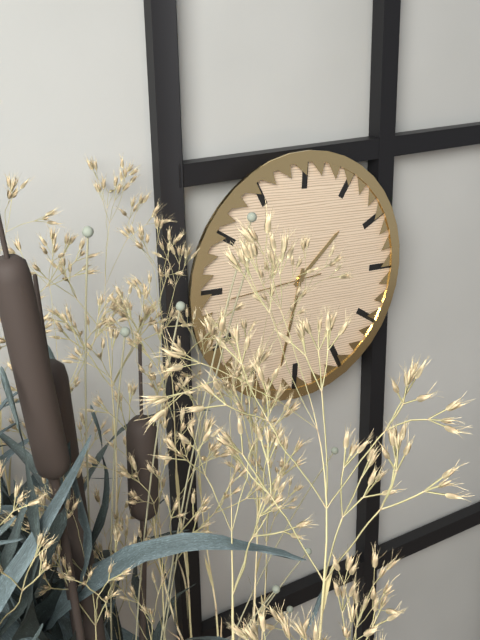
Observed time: 1:32:44
